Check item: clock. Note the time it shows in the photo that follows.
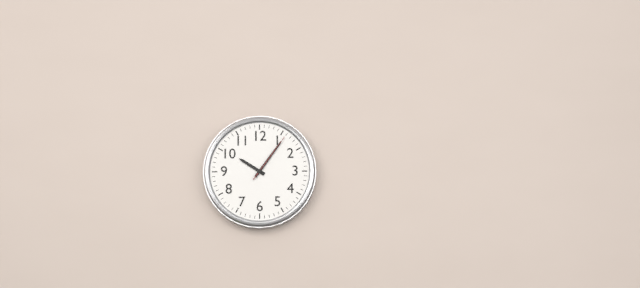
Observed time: 10:06:06
